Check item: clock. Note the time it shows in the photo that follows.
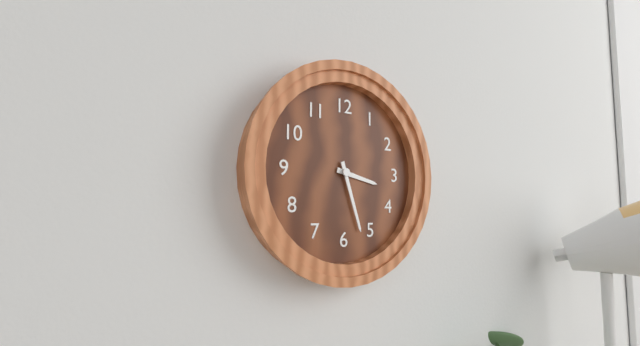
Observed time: 3:27
